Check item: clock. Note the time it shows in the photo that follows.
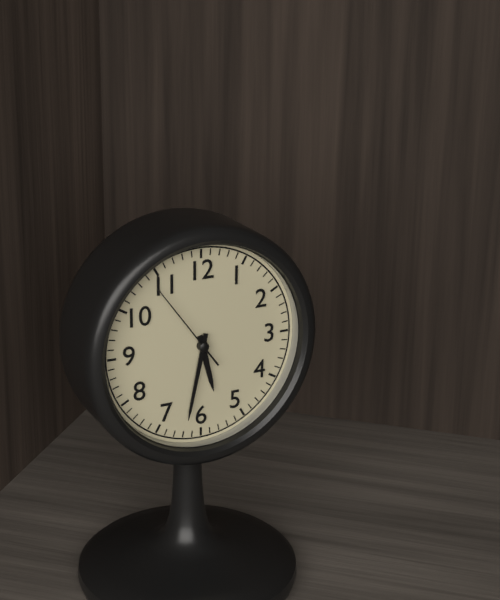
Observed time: 5:32:54
